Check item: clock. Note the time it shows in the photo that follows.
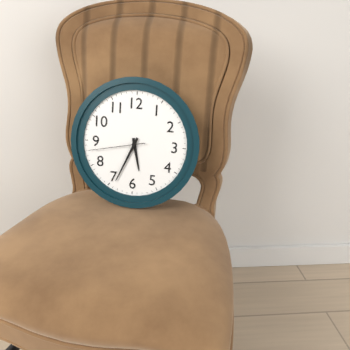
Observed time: 5:34:43
